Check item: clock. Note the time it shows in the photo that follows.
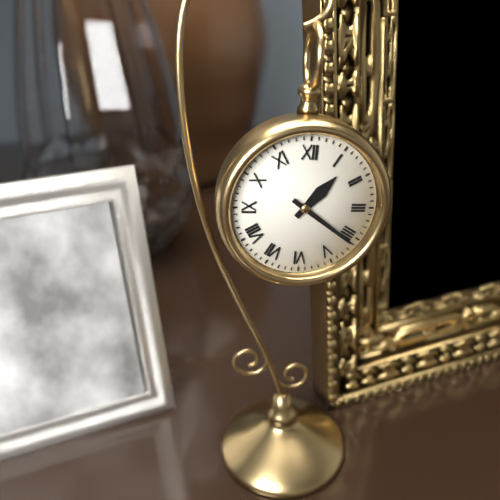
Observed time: 1:21
